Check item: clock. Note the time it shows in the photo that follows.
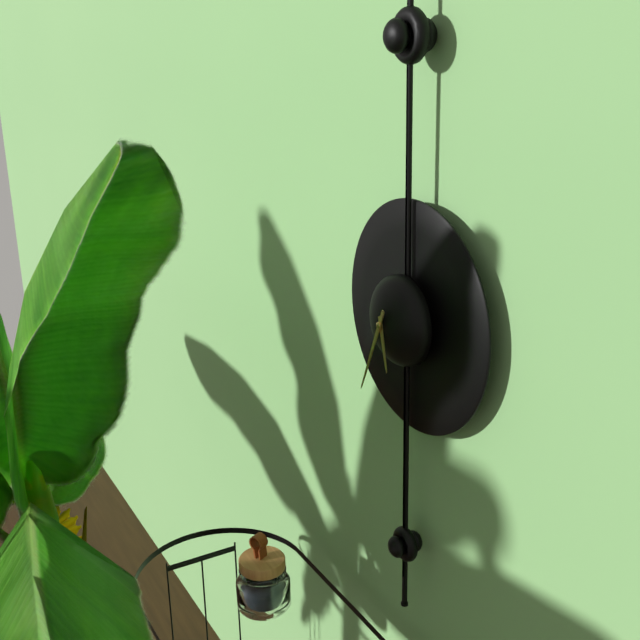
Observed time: 5:34
